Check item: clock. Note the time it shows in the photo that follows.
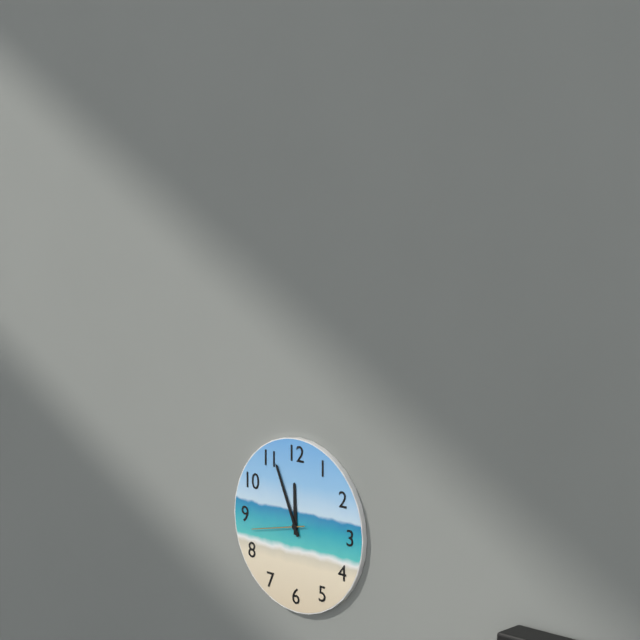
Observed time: 11:56:43
